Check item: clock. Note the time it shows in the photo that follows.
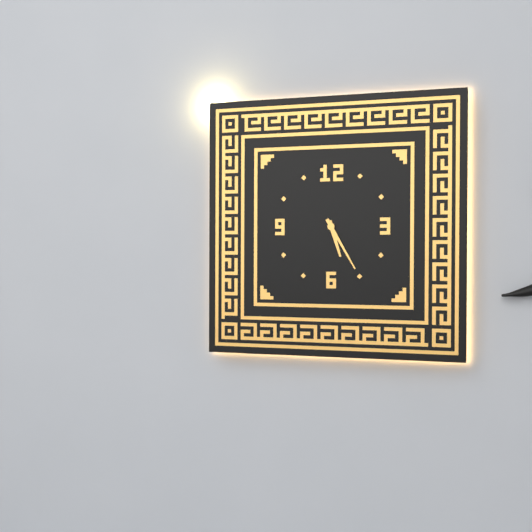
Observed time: 5:25
